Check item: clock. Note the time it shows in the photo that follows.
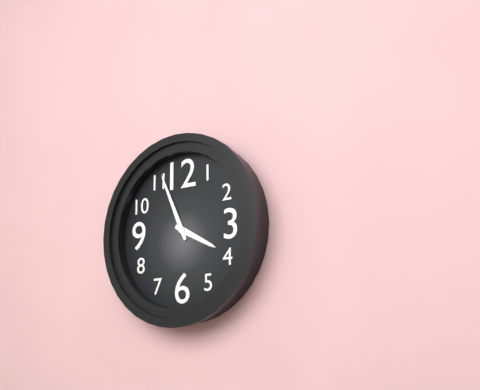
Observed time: 3:56
